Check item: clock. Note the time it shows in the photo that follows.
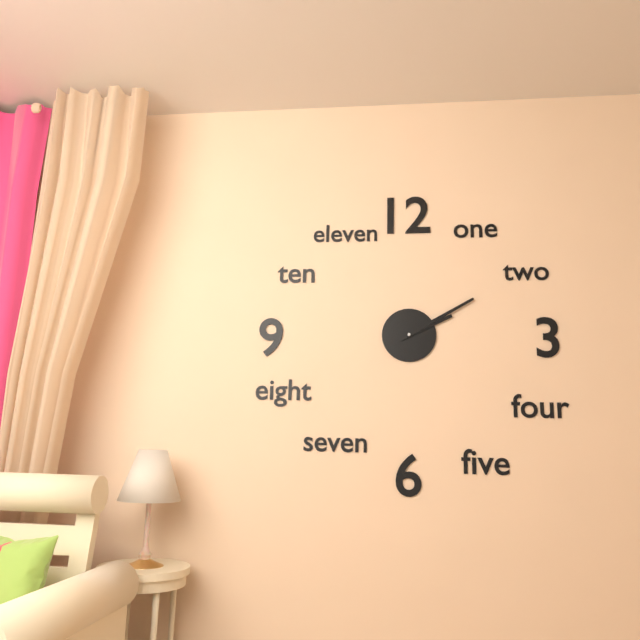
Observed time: 2:10
